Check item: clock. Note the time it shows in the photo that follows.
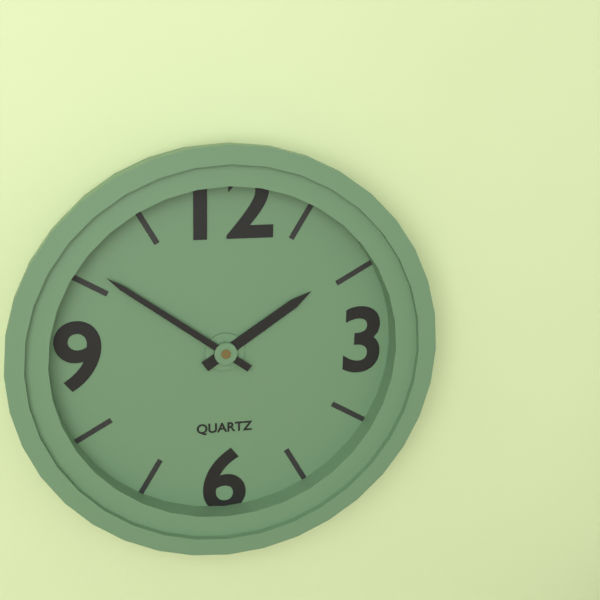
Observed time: 1:51
